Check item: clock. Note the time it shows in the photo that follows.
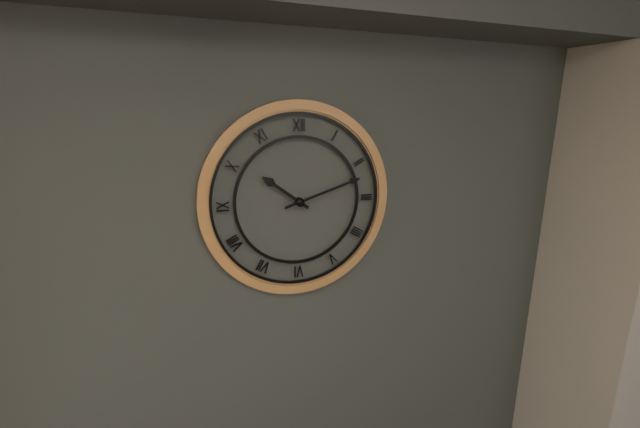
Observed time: 10:12
